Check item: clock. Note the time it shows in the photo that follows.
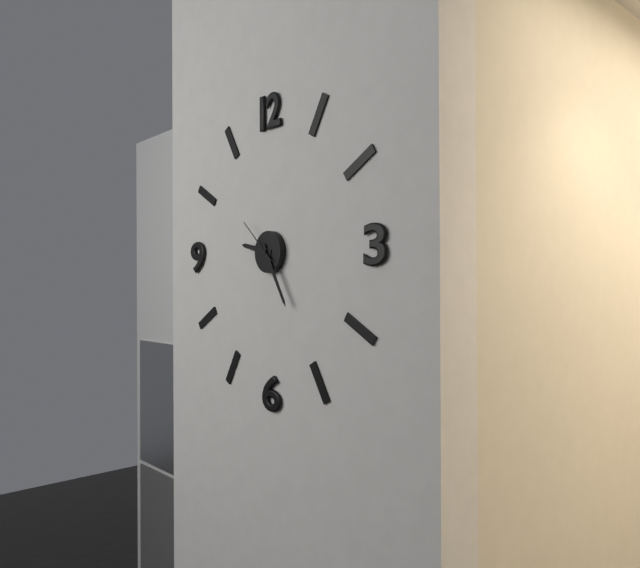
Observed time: 9:25:52
